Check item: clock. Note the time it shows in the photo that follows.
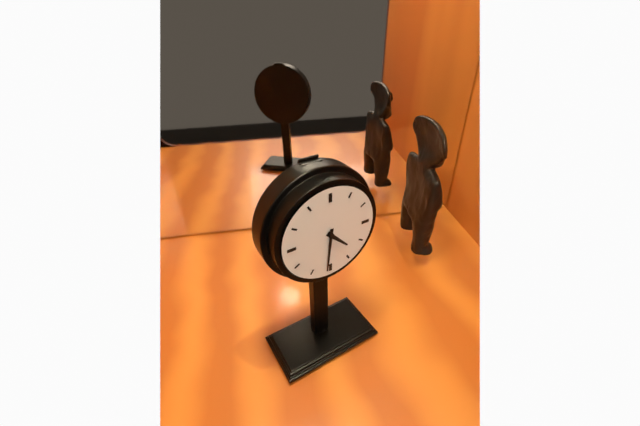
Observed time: 4:31
